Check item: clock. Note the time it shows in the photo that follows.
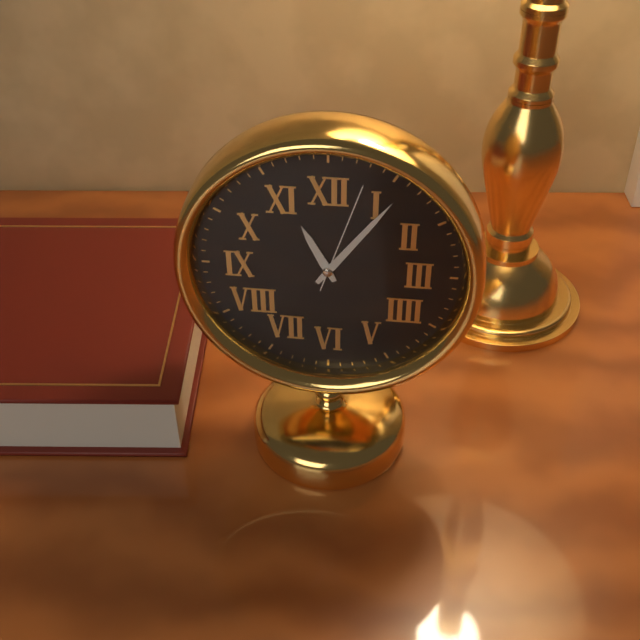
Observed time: 11:06:03
